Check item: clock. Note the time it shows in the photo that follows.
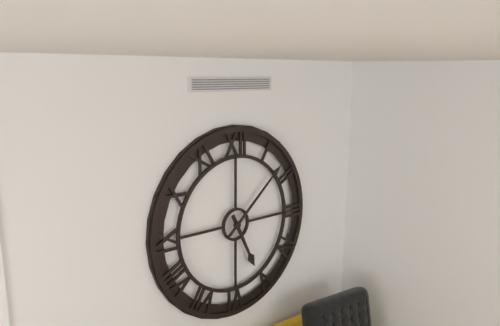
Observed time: 5:08
